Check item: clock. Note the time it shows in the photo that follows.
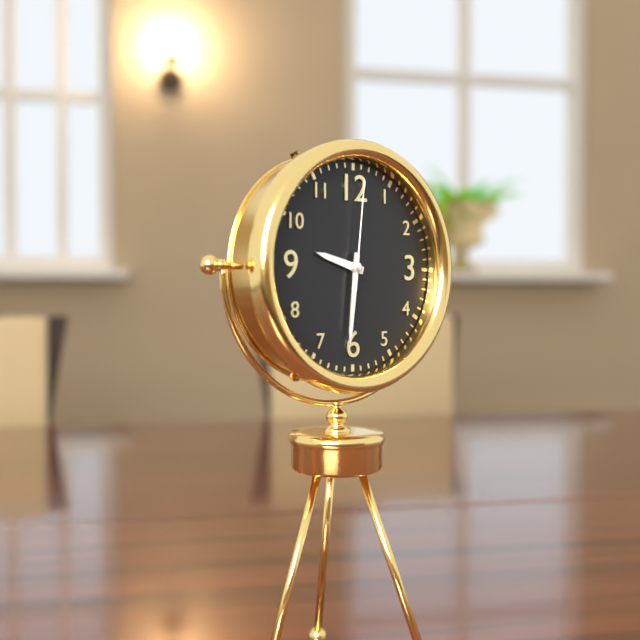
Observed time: 9:31:01
